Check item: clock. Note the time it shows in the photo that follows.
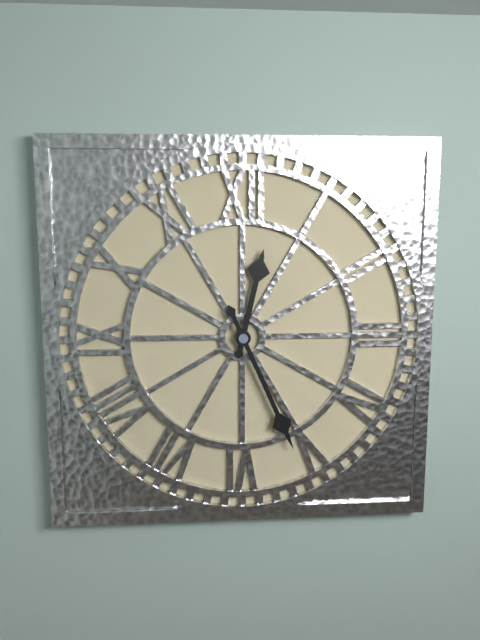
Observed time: 12:26
